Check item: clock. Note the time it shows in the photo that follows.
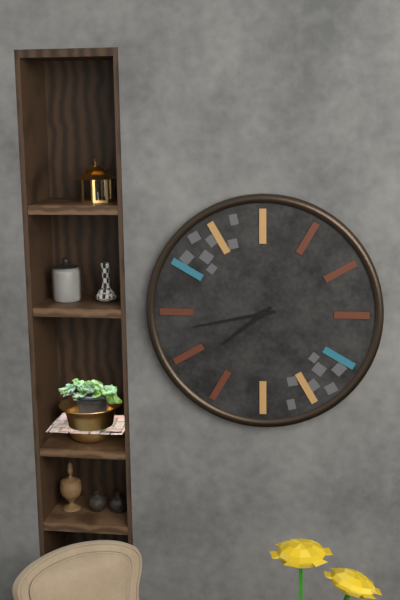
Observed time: 7:43
